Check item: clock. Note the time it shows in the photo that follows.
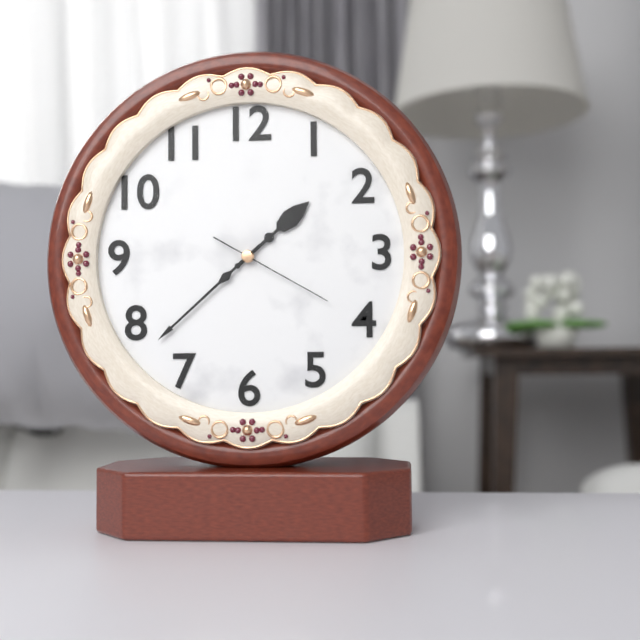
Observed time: 1:38:20
